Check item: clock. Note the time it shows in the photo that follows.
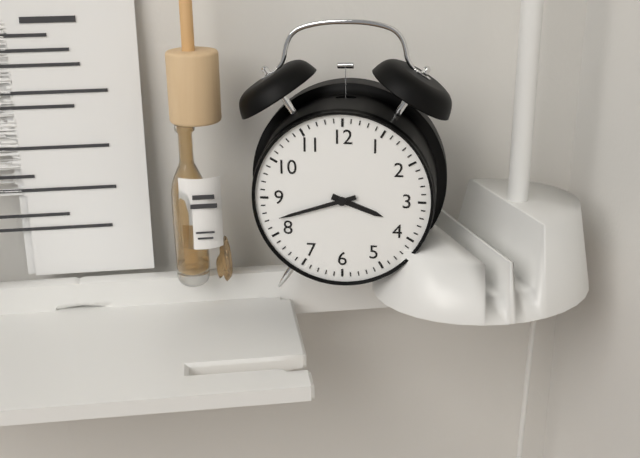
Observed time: 3:42
